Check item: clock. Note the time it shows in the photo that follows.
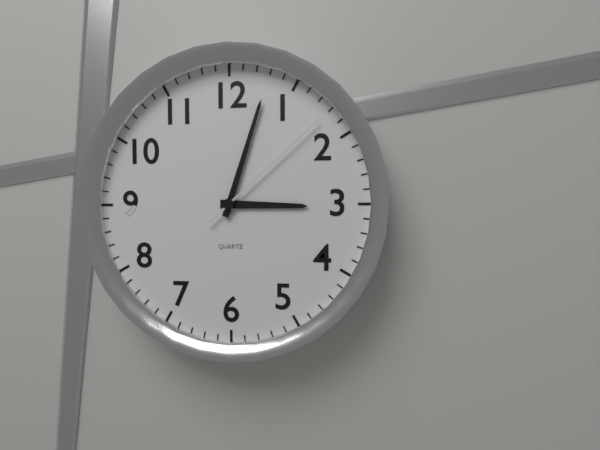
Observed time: 3:03:08
